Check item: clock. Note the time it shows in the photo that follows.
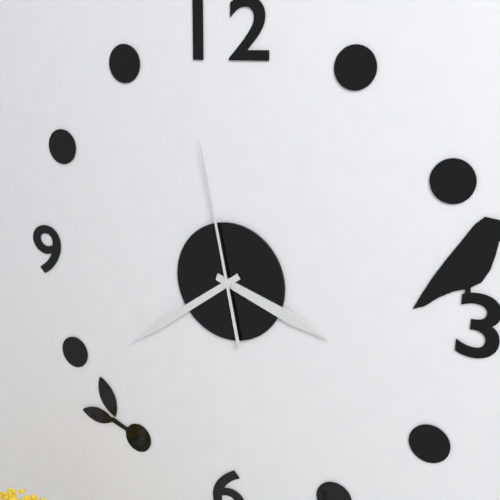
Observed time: 3:39:58
